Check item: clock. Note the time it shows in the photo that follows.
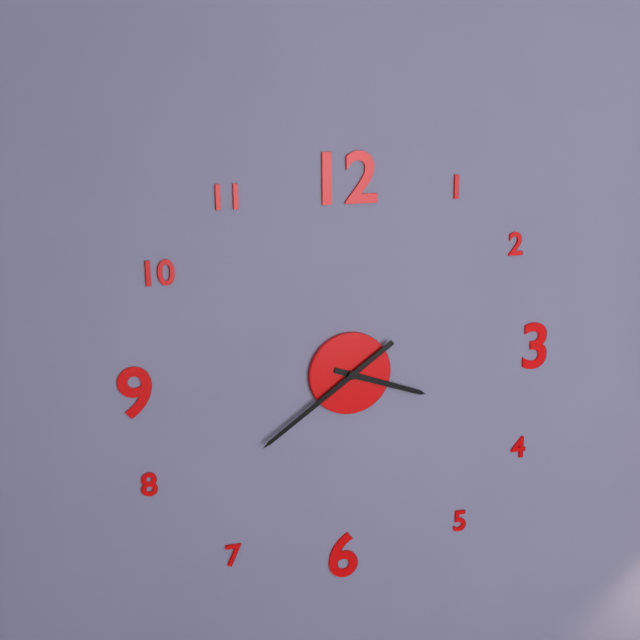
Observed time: 3:39
